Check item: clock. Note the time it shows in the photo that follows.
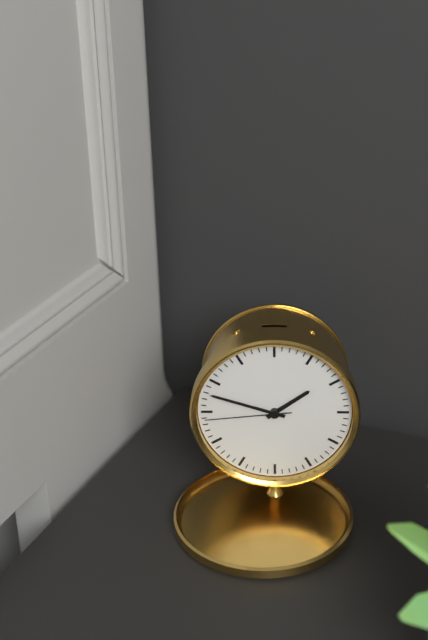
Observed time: 1:48:44
